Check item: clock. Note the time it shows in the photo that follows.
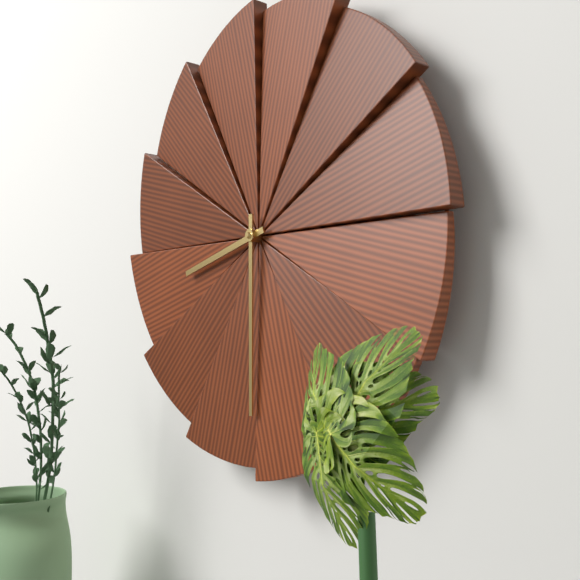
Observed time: 8:30
